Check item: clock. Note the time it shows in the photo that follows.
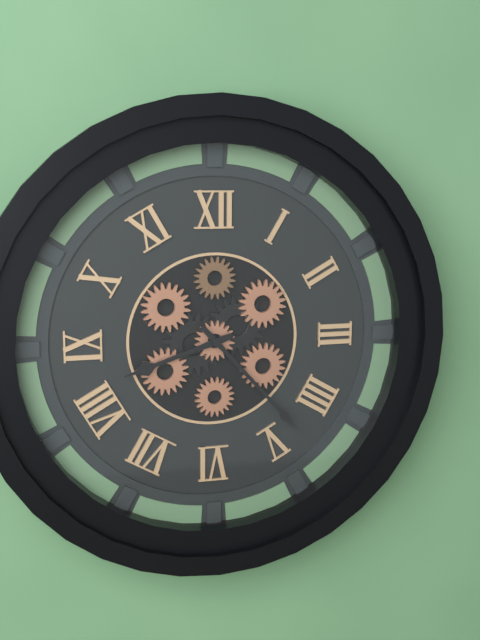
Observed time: 8:23
